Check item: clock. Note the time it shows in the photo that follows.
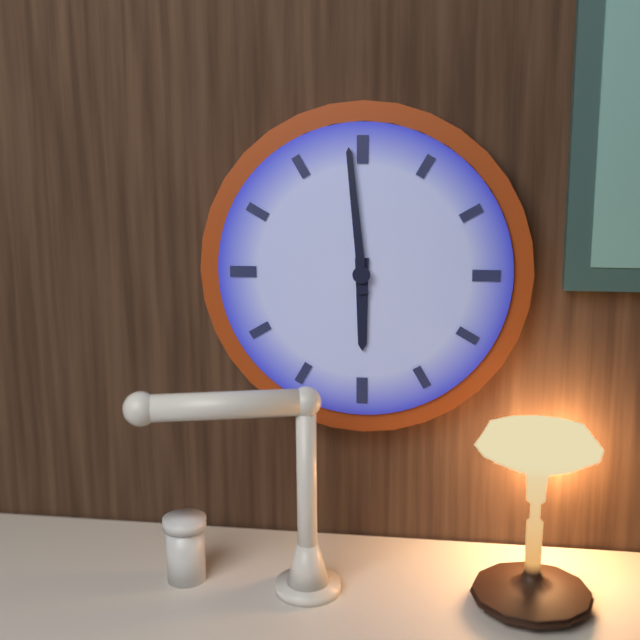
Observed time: 5:59
